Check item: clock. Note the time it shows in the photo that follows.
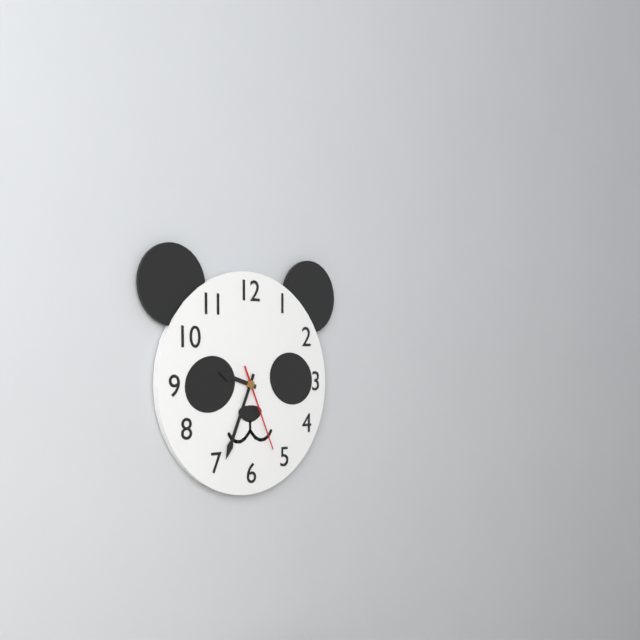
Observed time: 9:34:26
